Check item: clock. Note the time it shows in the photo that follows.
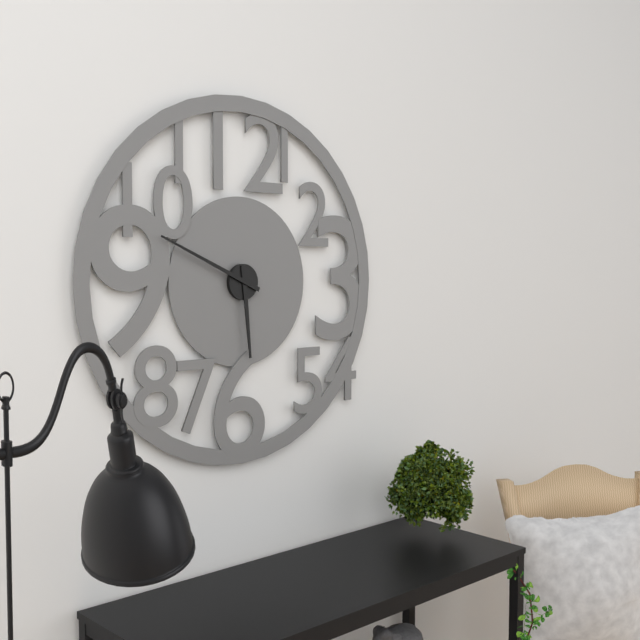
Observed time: 5:49
